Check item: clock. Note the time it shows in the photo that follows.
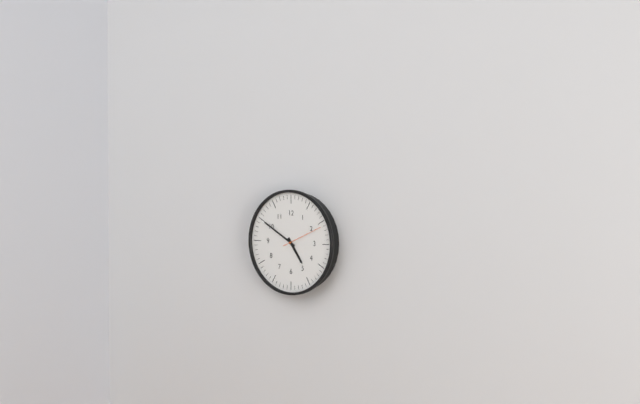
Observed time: 4:50
